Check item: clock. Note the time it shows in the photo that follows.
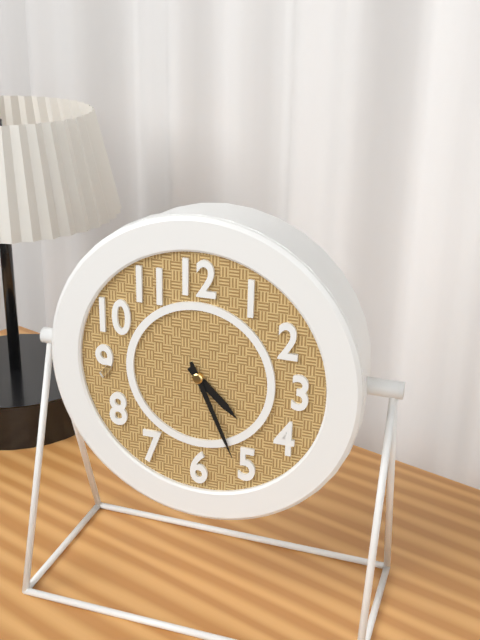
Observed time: 4:26
